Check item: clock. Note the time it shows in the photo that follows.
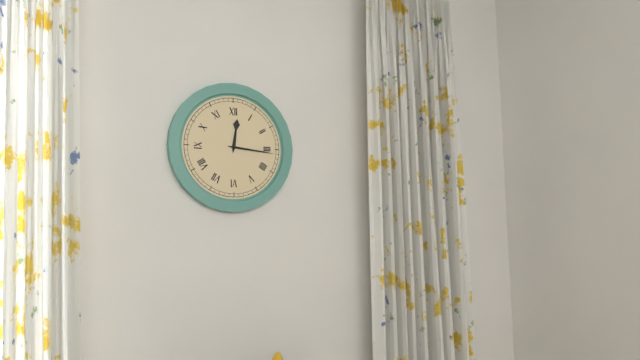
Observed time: 12:16
